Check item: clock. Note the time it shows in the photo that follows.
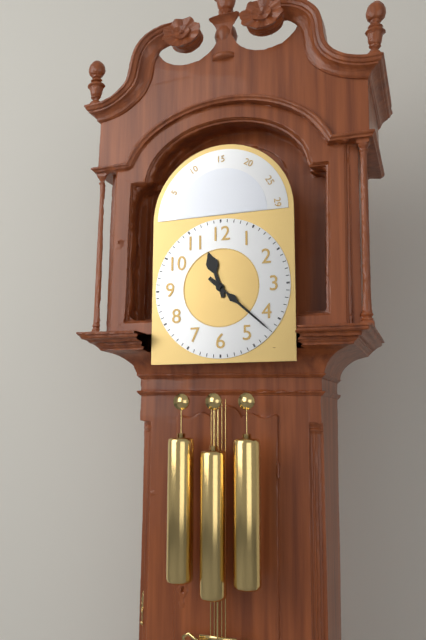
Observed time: 11:22
